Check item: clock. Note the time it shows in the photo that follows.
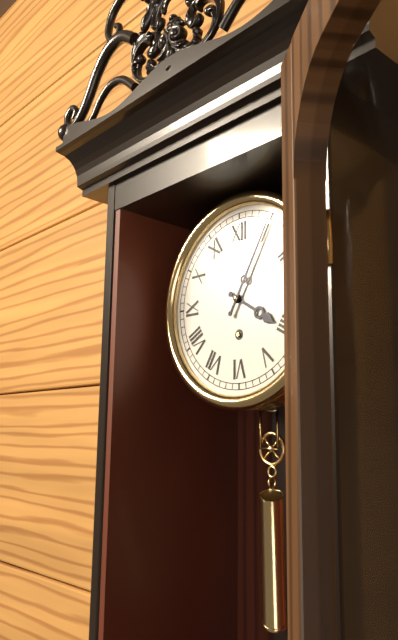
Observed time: 4:05
